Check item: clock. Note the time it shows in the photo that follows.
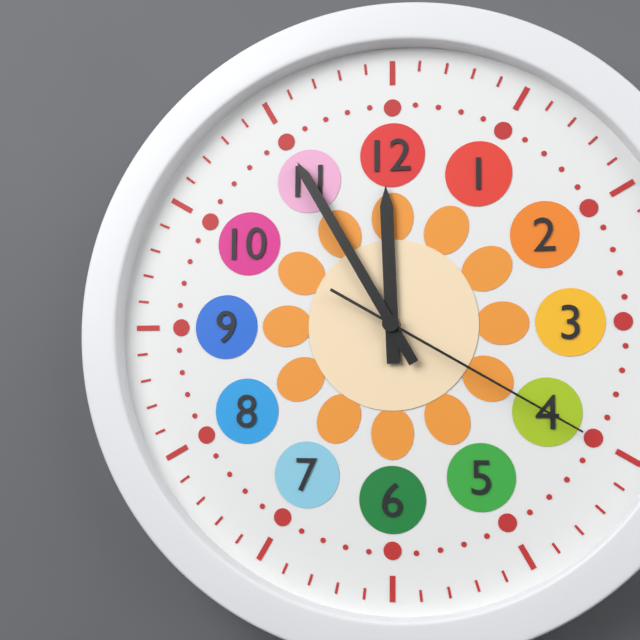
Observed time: 11:55:20
